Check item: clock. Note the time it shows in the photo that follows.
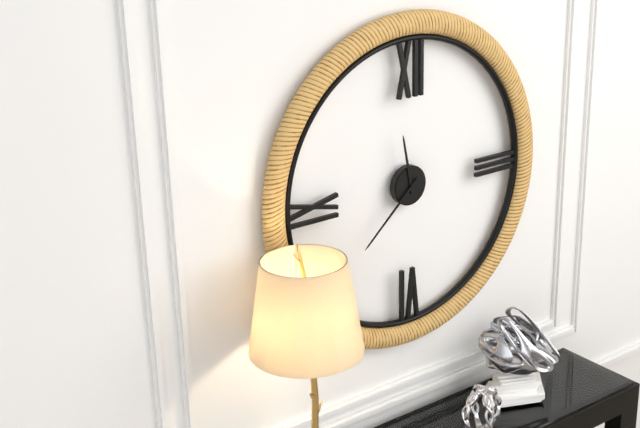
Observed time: 11:38
